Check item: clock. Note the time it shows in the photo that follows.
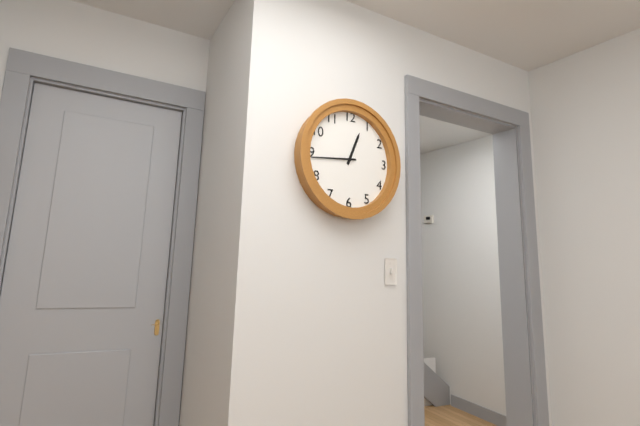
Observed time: 12:44
